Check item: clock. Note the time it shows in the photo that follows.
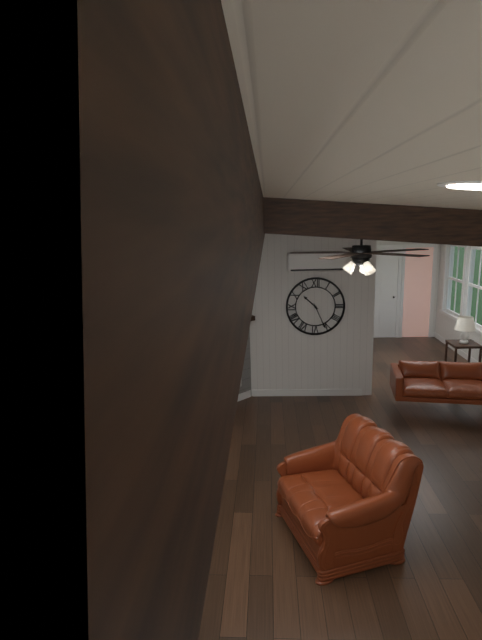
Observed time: 10:26
